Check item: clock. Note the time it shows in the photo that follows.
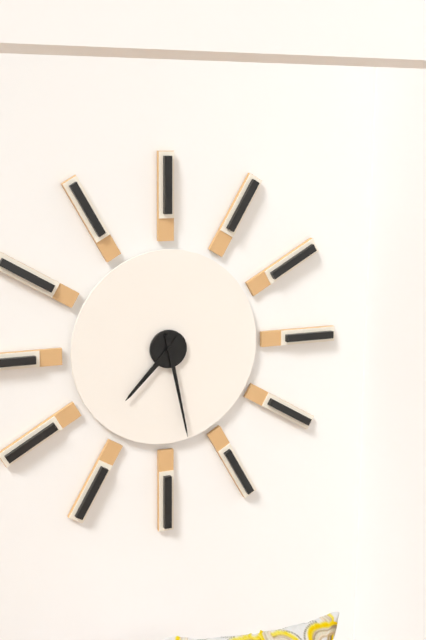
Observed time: 7:28
